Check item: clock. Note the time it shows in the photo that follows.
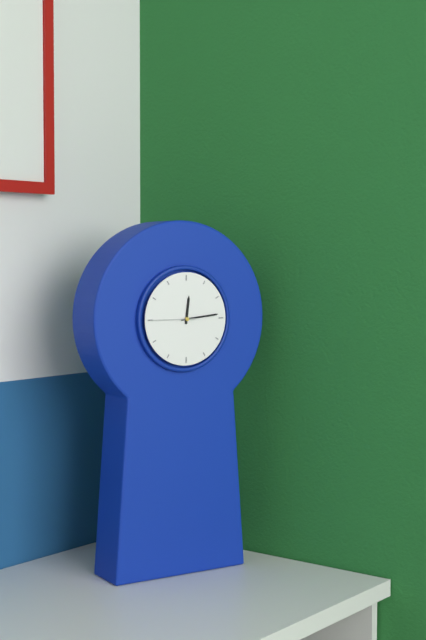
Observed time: 12:14
